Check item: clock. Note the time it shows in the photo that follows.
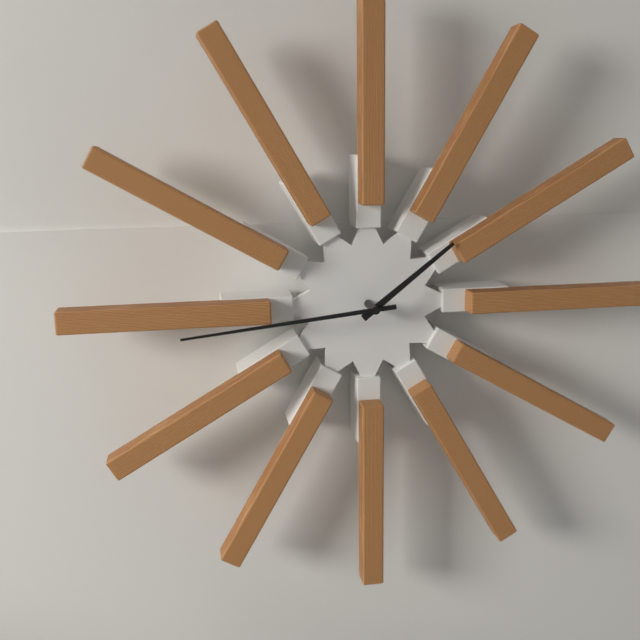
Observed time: 1:44
